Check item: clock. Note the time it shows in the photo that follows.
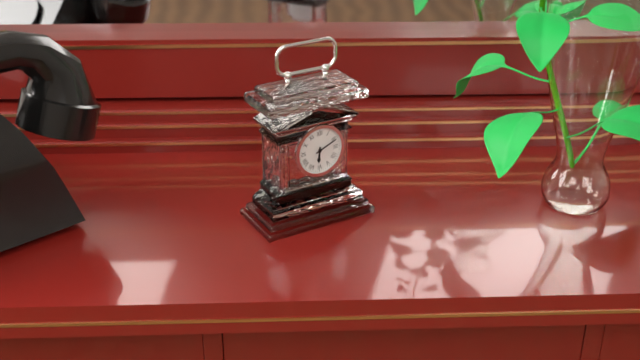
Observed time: 6:11
